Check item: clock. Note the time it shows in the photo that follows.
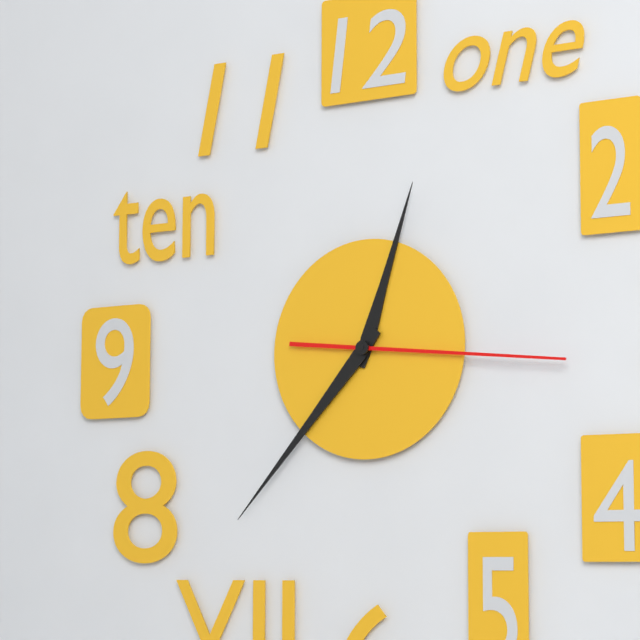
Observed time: 12:37:16
